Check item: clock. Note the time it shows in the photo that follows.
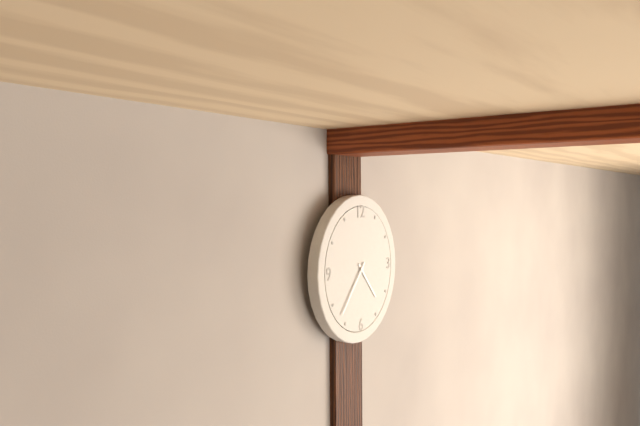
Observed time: 4:37
